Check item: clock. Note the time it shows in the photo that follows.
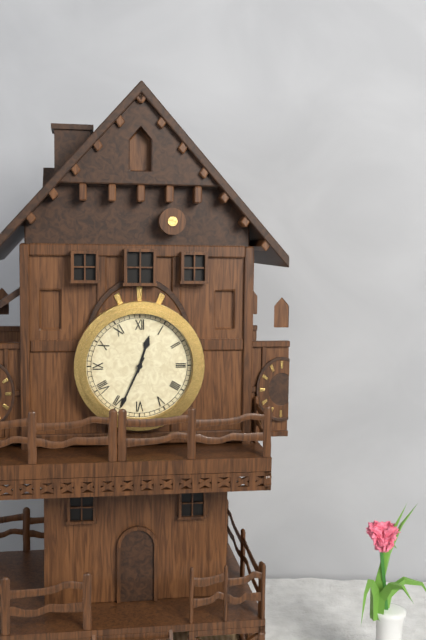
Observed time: 12:34
